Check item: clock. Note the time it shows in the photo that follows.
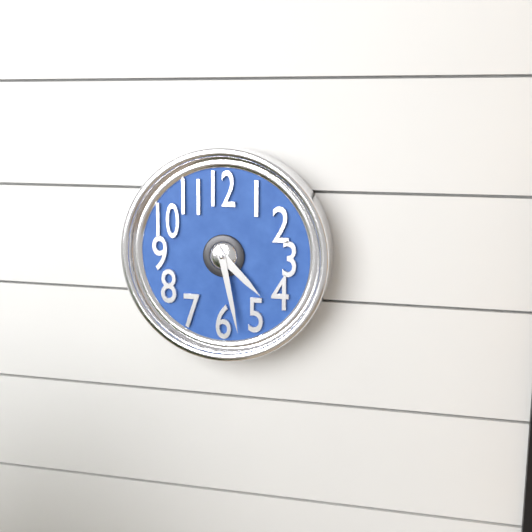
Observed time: 4:28
